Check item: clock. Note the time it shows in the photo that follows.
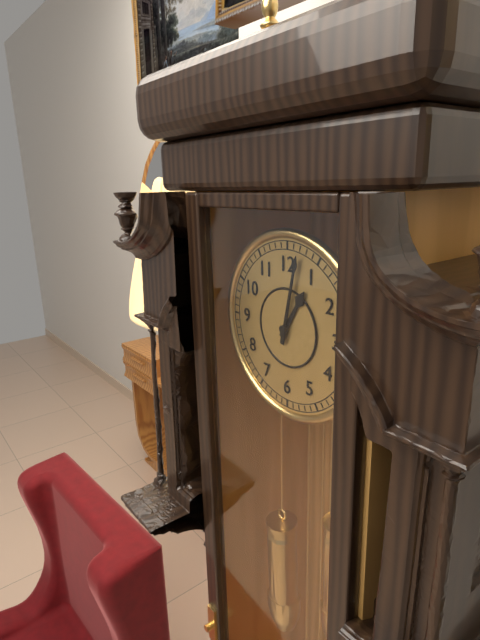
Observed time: 1:02
